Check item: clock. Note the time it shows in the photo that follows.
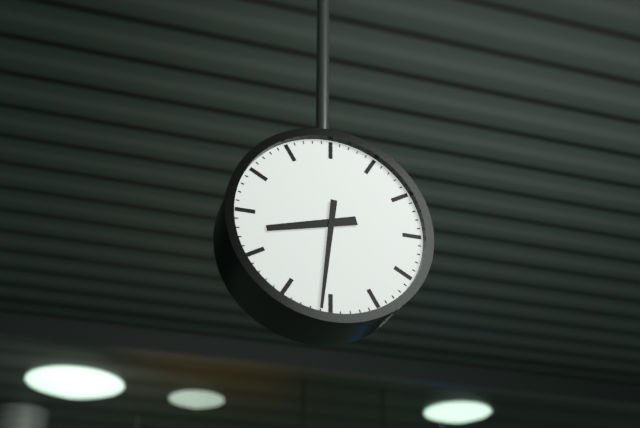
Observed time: 8:31
